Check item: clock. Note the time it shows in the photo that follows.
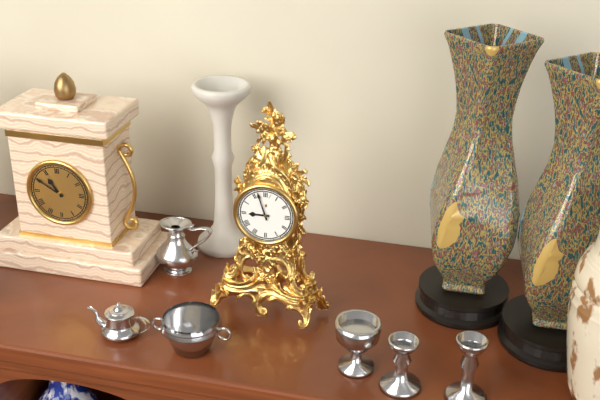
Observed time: 8:57
